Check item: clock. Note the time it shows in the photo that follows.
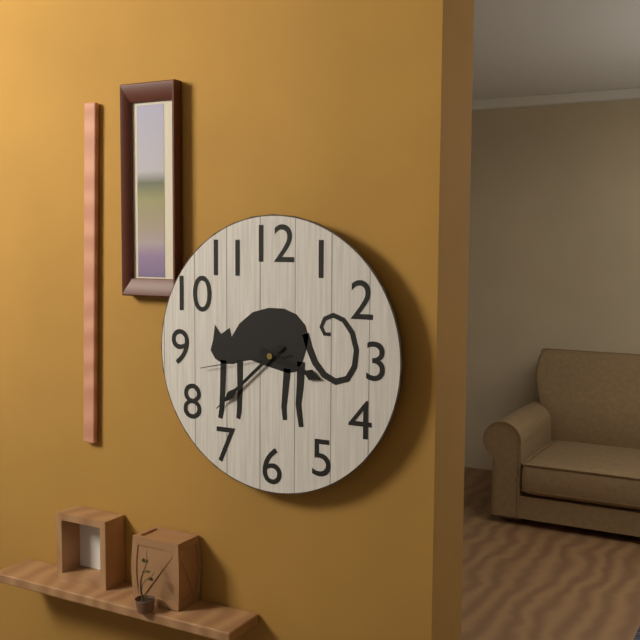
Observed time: 3:38:43
